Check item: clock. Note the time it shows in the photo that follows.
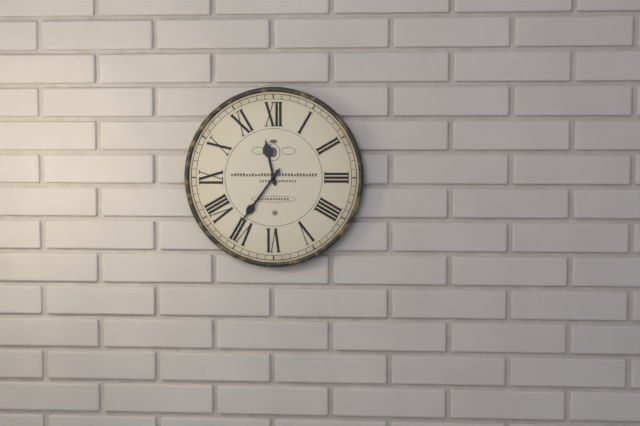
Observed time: 11:36
